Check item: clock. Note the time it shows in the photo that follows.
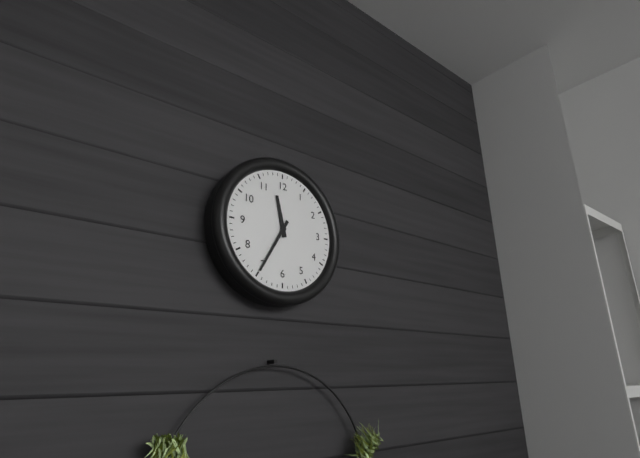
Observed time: 11:35
